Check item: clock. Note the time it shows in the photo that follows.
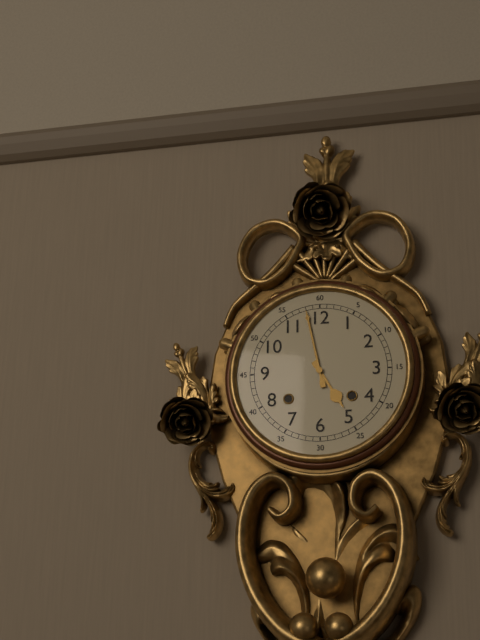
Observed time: 4:58
